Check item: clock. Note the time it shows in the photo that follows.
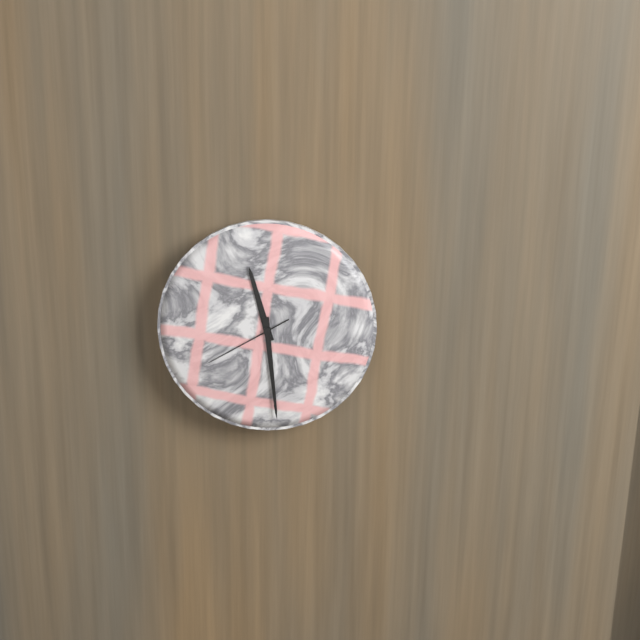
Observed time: 11:29:40
